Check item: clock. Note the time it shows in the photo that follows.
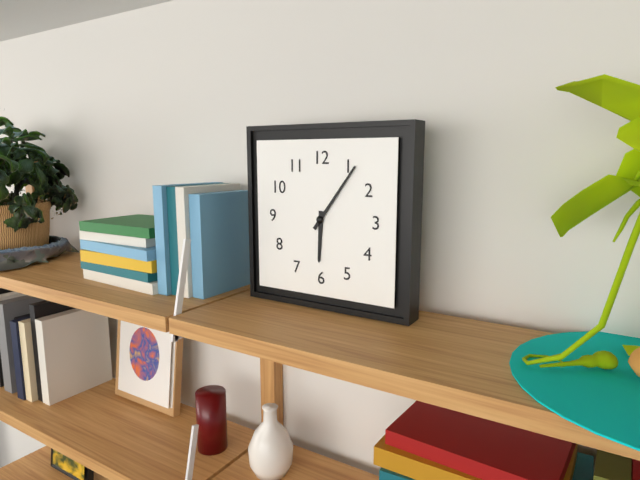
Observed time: 6:06
